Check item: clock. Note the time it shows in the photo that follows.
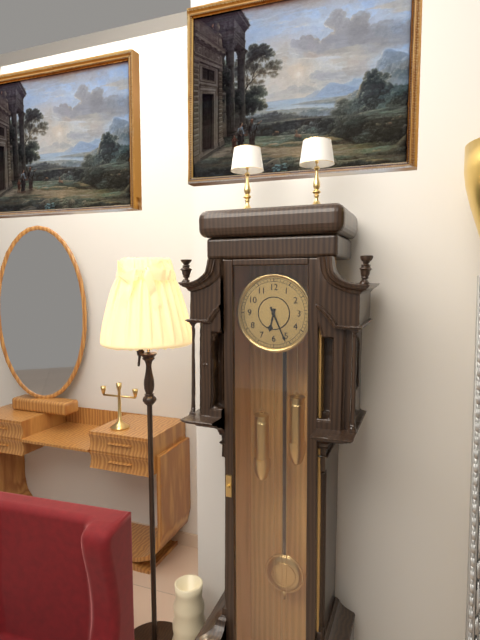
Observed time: 6:26
